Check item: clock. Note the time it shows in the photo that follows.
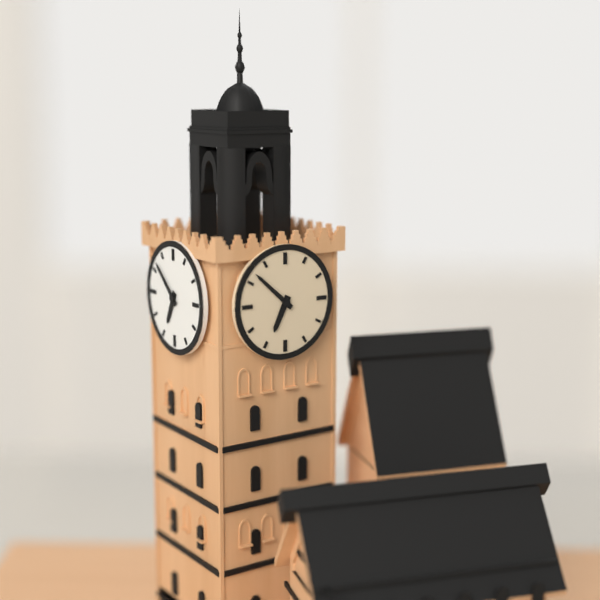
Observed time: 6:52
